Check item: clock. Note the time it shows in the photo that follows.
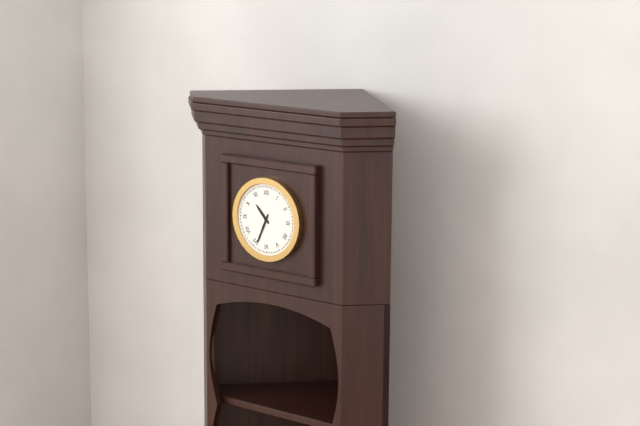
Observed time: 10:34
